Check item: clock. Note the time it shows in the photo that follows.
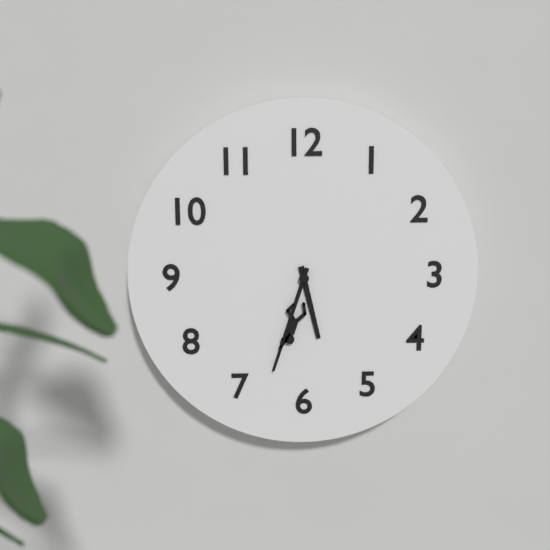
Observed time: 5:33
